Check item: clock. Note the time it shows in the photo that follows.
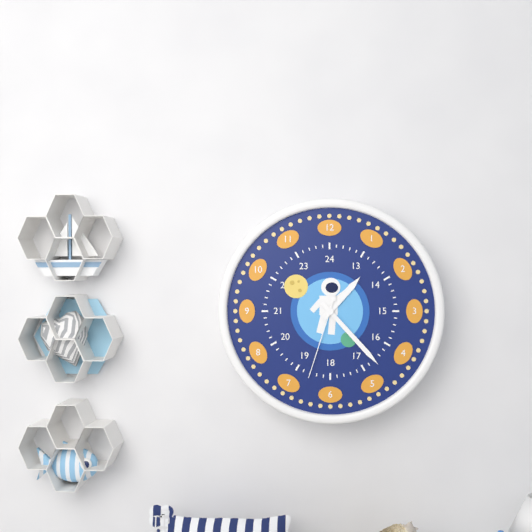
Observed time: 1:23:33
